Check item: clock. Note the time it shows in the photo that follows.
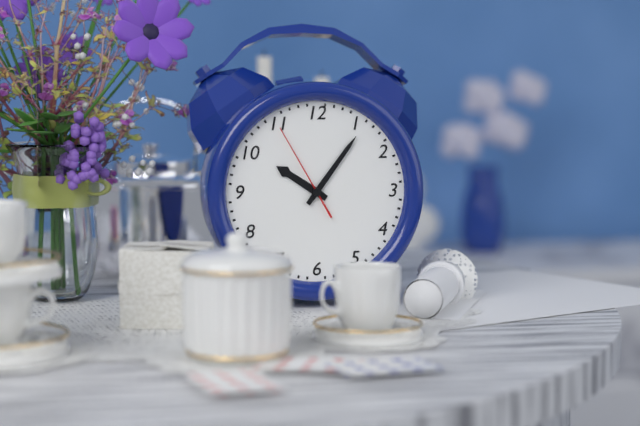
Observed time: 10:06:55
